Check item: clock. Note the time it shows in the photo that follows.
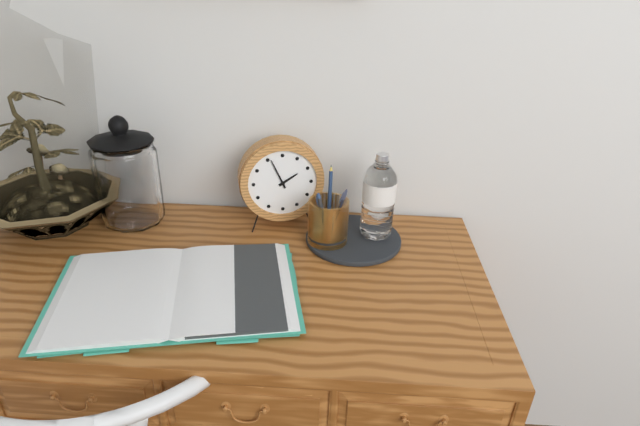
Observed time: 1:56
